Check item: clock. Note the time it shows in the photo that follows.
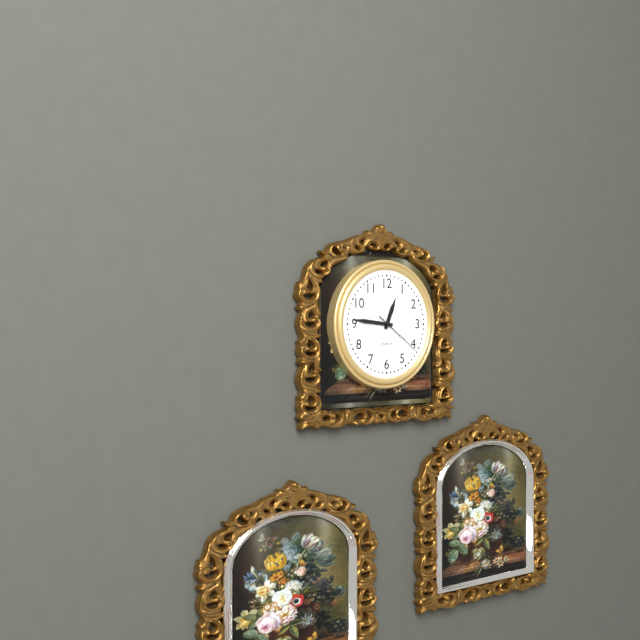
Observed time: 12:46
